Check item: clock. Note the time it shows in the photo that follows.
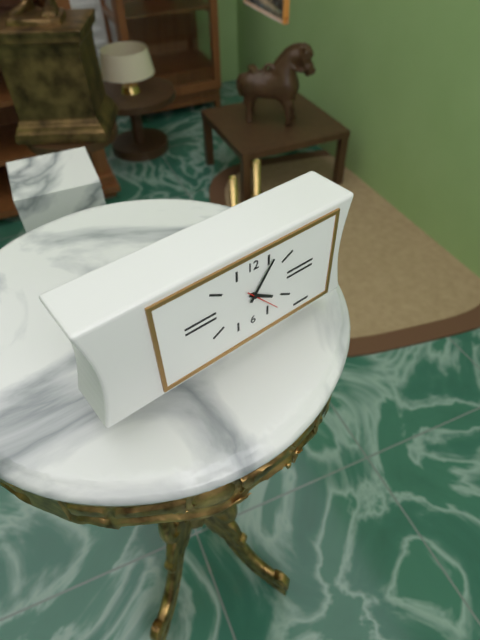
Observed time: 4:06
